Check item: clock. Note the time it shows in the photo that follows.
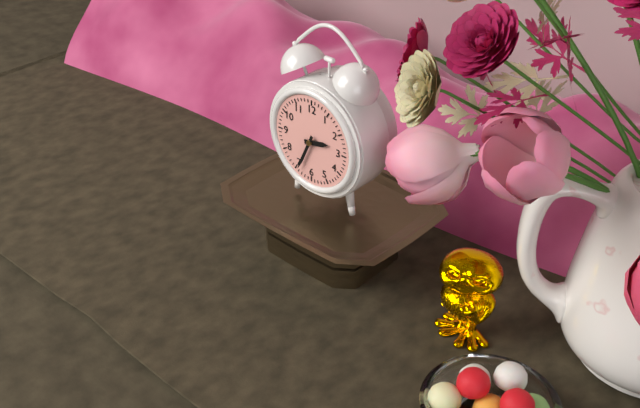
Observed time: 2:34
